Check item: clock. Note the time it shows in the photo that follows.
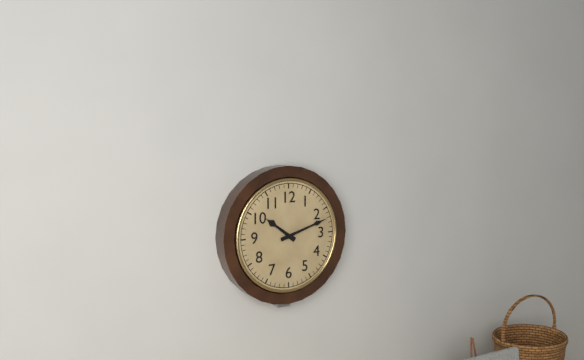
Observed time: 10:12
